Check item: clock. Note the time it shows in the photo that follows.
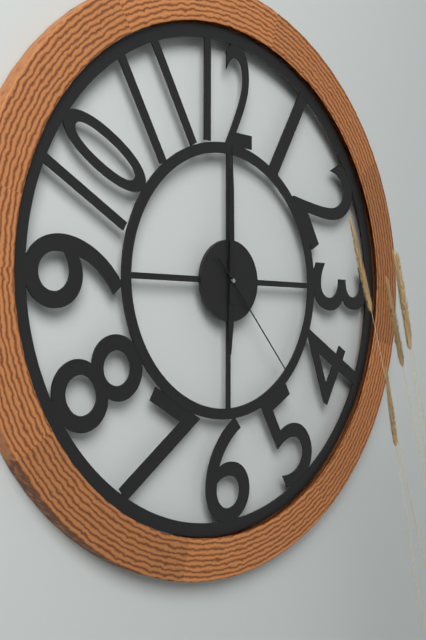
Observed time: 6:00:23
